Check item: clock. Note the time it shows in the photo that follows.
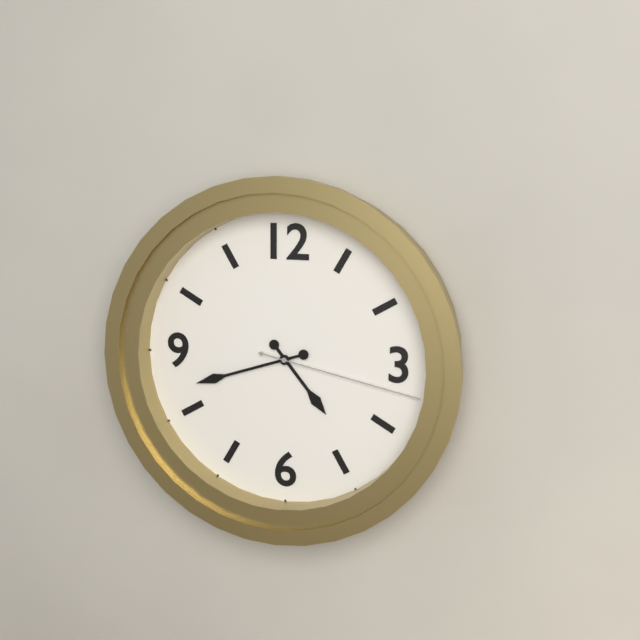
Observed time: 4:42:17
